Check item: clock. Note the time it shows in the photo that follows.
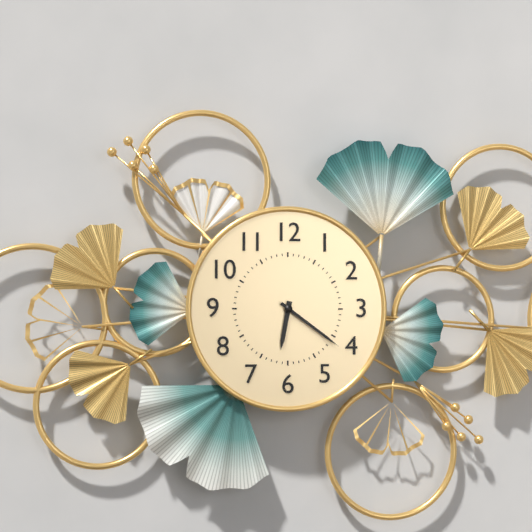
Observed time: 6:21
